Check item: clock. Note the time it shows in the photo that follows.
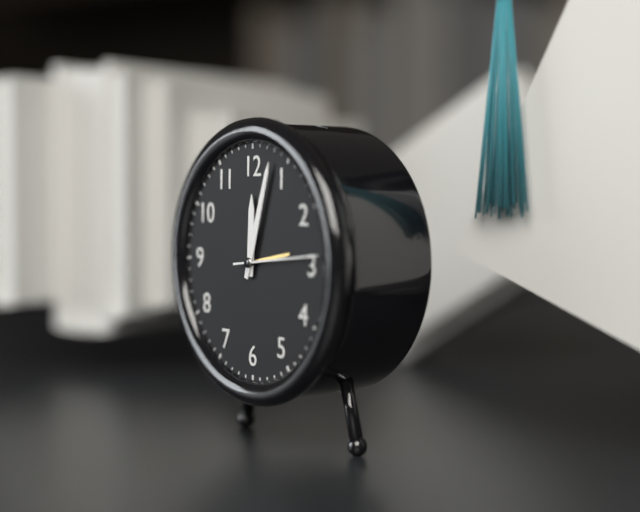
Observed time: 12:03:14
